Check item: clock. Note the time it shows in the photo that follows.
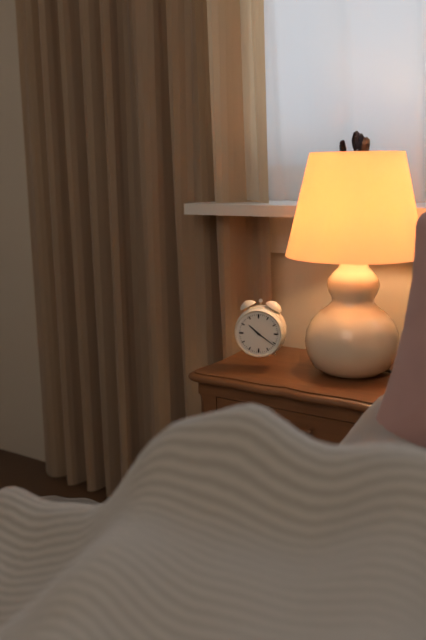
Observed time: 10:21
